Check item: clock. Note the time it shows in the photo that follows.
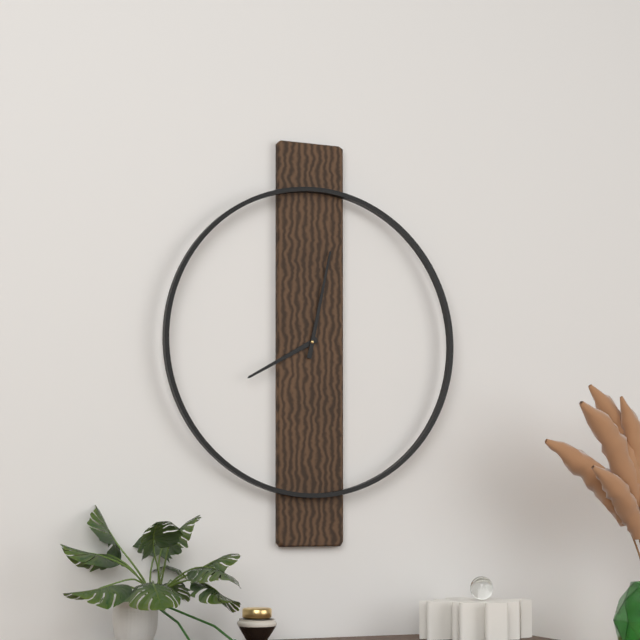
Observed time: 8:02
